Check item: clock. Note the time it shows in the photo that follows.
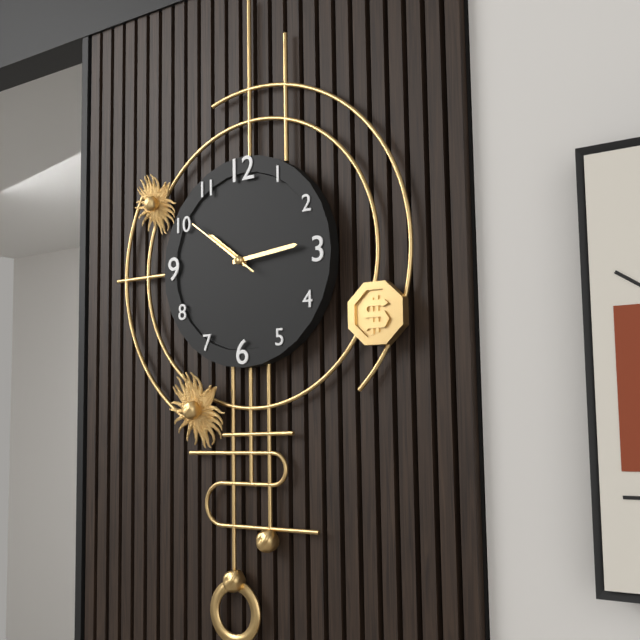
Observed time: 10:14:51
